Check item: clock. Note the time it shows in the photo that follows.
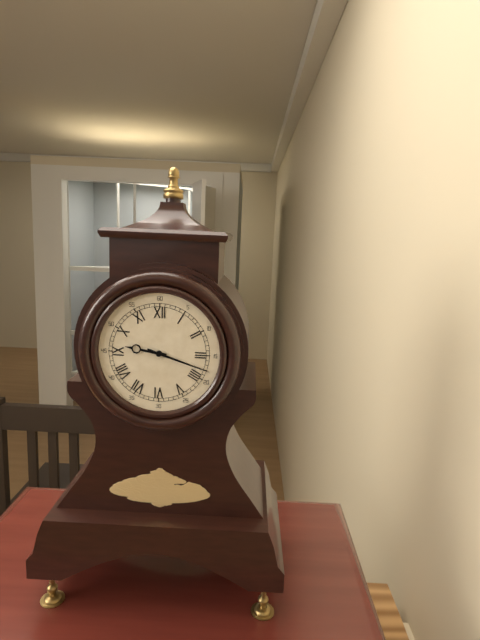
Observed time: 9:18
